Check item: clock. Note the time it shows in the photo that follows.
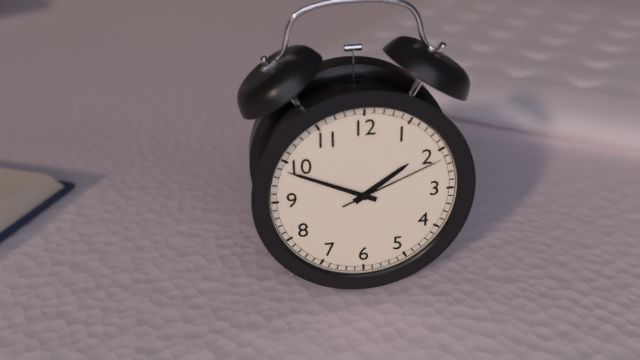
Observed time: 1:49:11
